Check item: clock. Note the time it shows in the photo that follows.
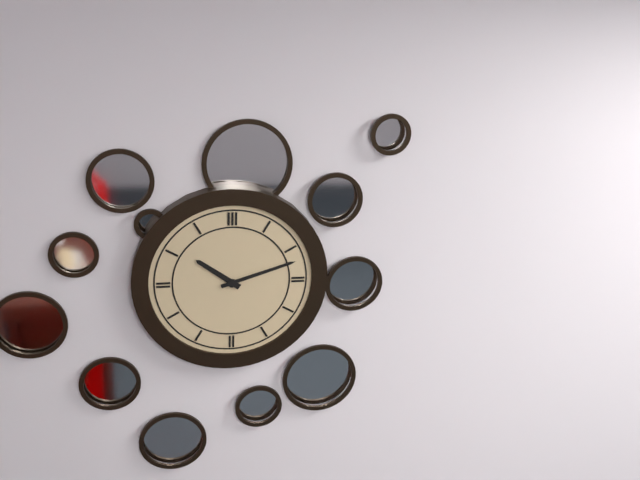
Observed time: 10:12
